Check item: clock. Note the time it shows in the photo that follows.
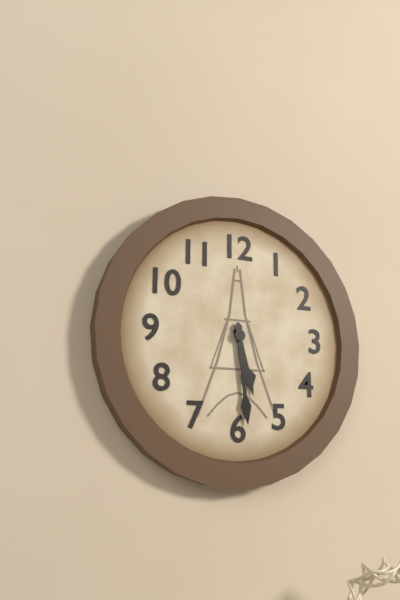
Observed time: 5:29
